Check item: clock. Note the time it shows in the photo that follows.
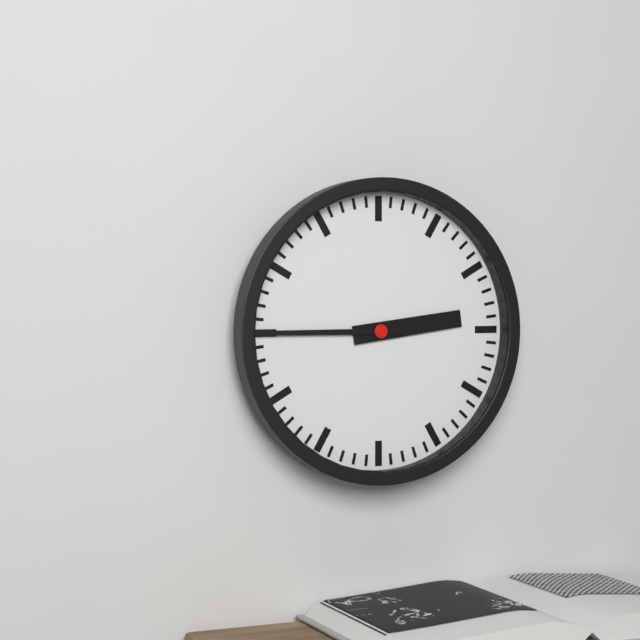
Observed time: 2:45
